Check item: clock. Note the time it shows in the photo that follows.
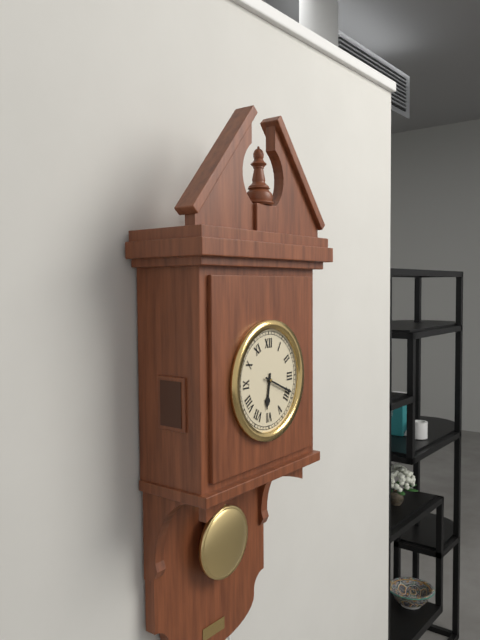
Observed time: 6:19
